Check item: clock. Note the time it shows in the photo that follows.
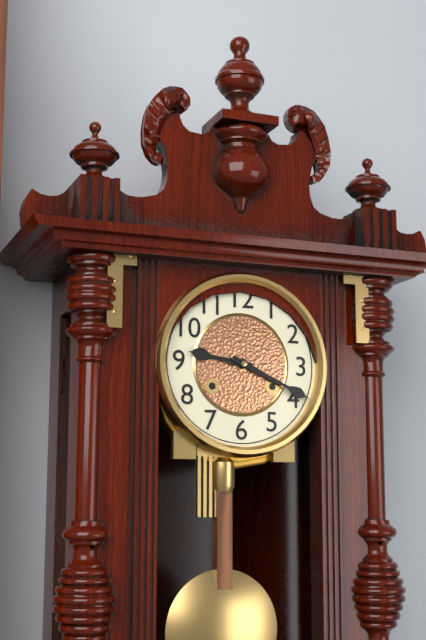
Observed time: 9:19
